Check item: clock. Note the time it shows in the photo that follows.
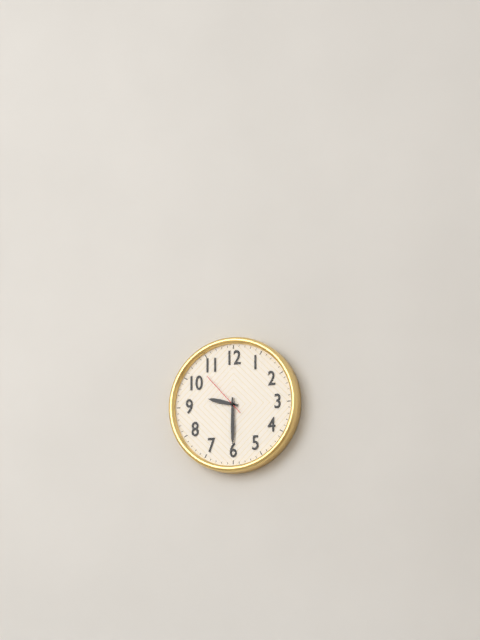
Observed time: 9:30
